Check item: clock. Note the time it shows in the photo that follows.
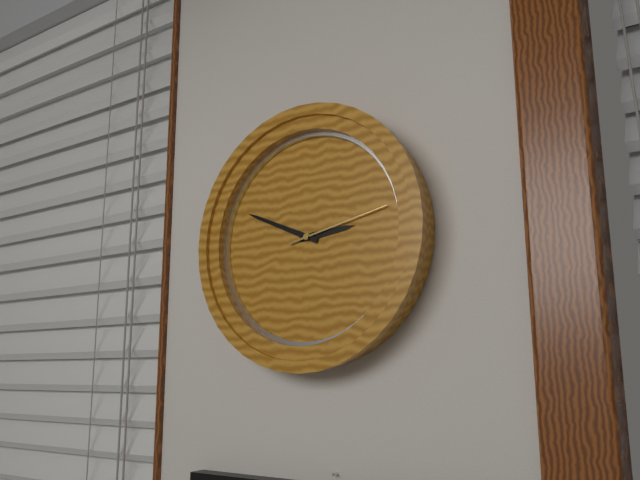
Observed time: 2:49:13
